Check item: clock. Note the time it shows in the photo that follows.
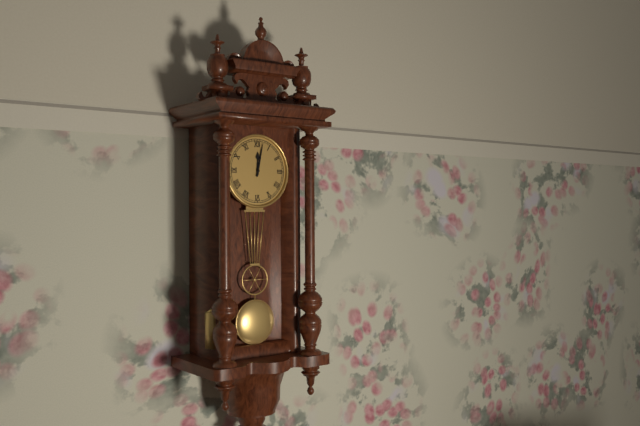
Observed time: 12:02
